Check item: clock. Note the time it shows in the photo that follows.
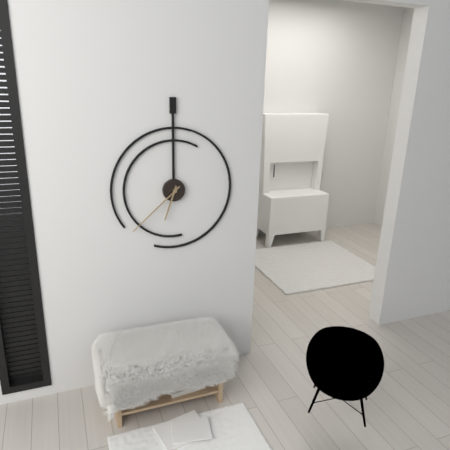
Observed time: 6:38
